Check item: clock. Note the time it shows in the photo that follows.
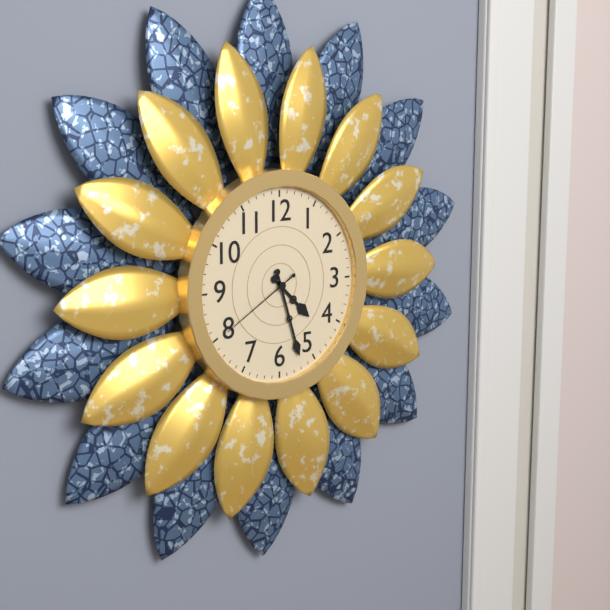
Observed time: 4:27:40
